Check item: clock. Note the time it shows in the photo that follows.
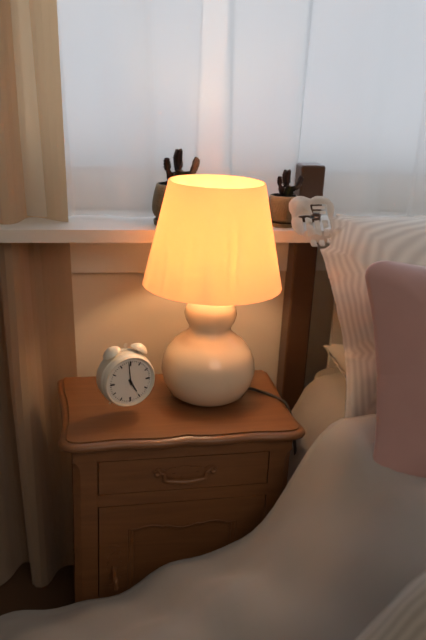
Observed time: 4:59
